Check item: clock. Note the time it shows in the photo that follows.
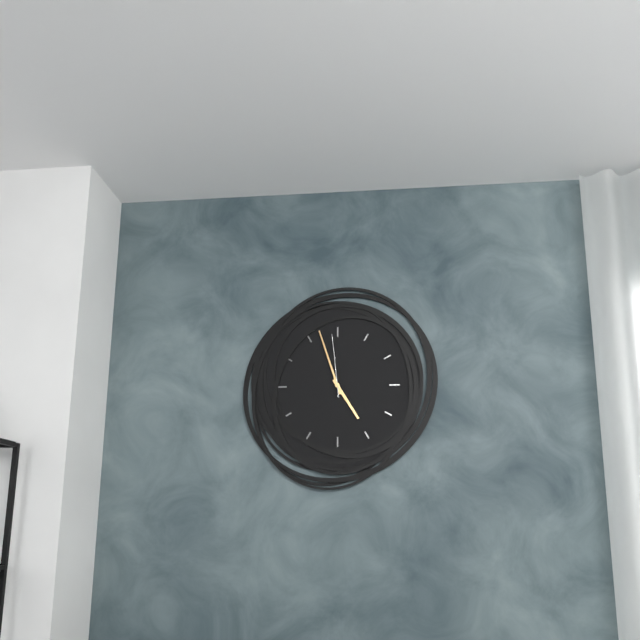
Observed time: 4:57:59
